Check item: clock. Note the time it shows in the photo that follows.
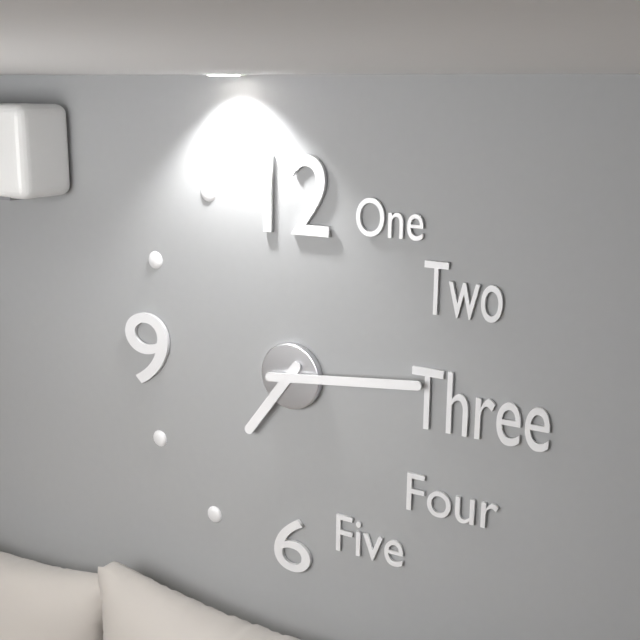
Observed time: 7:14
